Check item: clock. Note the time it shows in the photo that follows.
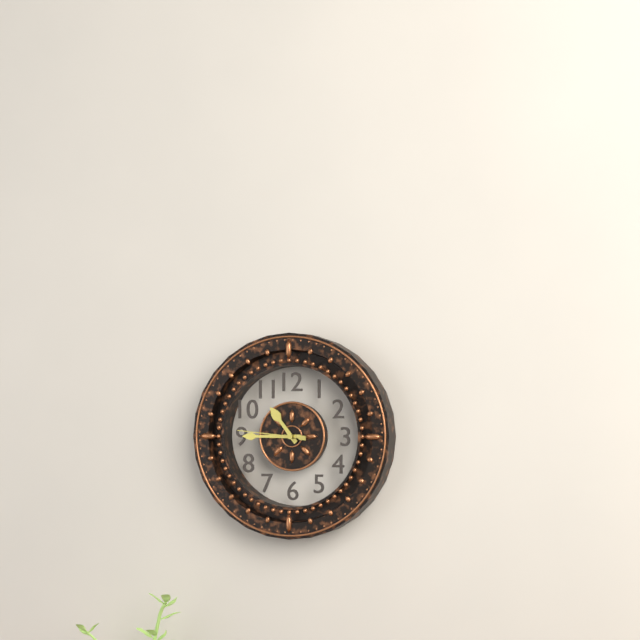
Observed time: 10:45:46
